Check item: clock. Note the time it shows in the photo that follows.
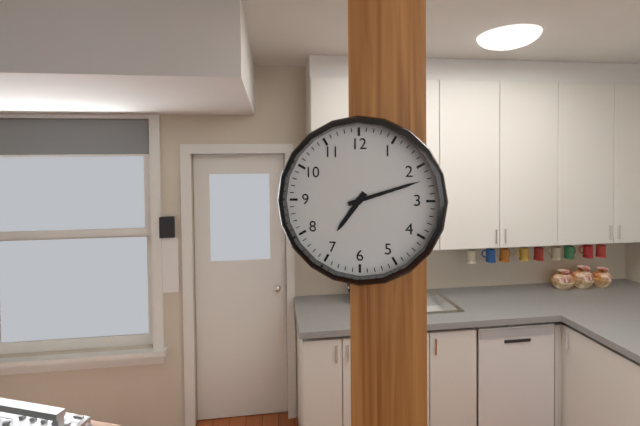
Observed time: 7:12
